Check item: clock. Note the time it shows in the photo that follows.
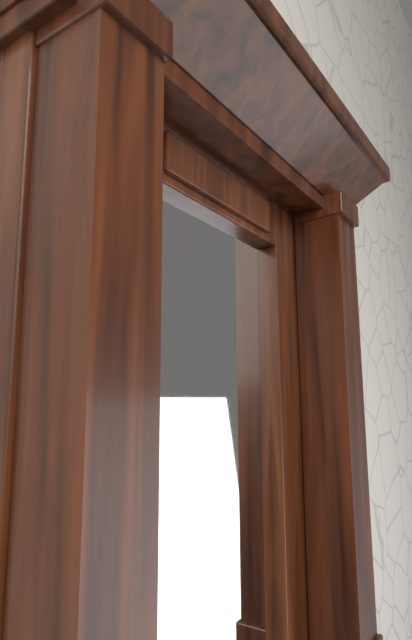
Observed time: 10:31
